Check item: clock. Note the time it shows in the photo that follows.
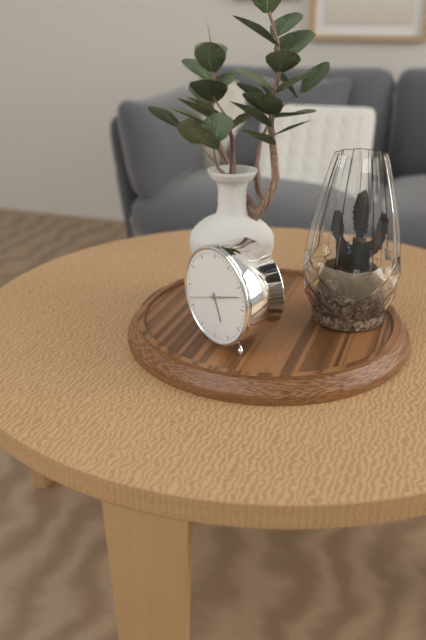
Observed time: 5:12
